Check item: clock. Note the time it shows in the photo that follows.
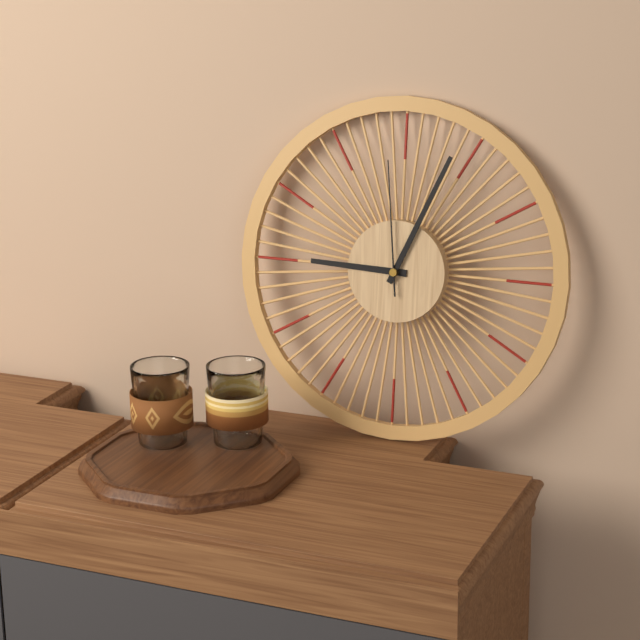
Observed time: 9:04:59
